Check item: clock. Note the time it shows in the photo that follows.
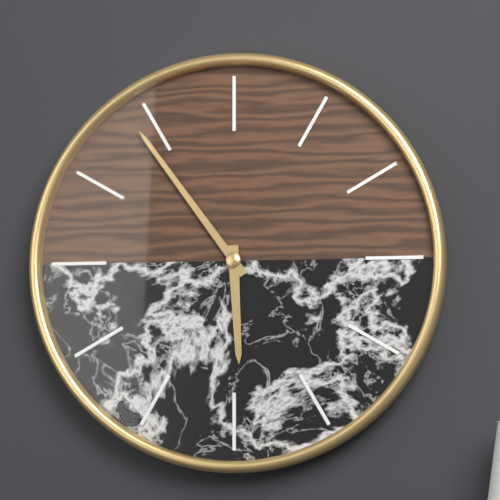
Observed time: 5:54
